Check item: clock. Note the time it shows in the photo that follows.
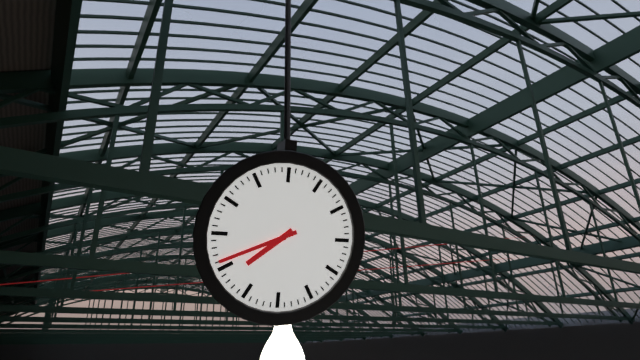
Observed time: 7:41
